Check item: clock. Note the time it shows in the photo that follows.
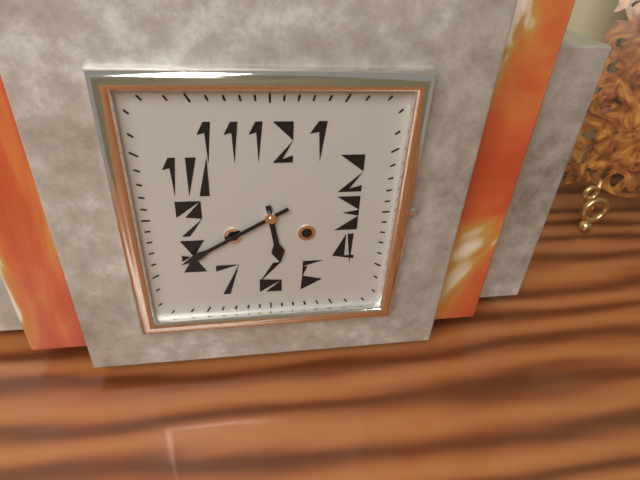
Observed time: 5:40
